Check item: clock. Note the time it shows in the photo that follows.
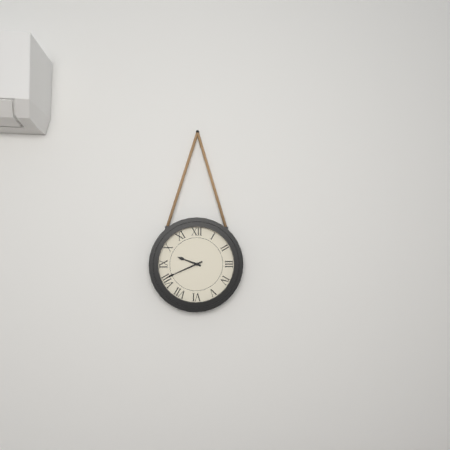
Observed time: 9:41
